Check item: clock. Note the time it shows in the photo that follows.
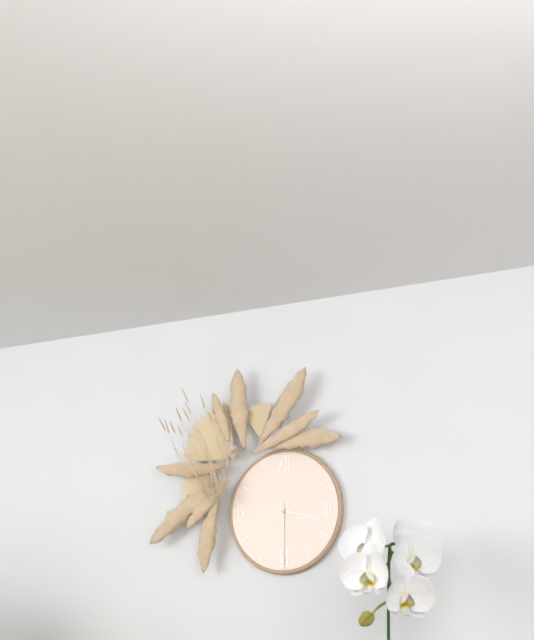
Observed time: 3:30
